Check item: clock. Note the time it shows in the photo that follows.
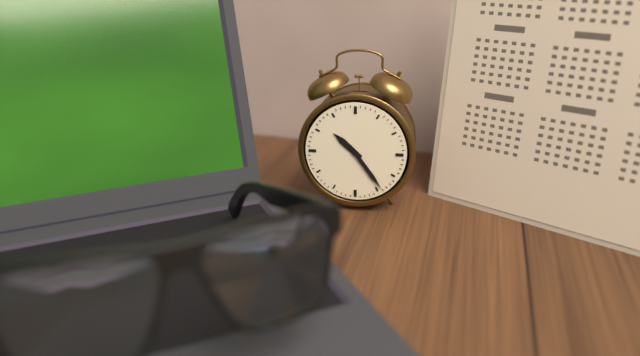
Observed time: 10:24
